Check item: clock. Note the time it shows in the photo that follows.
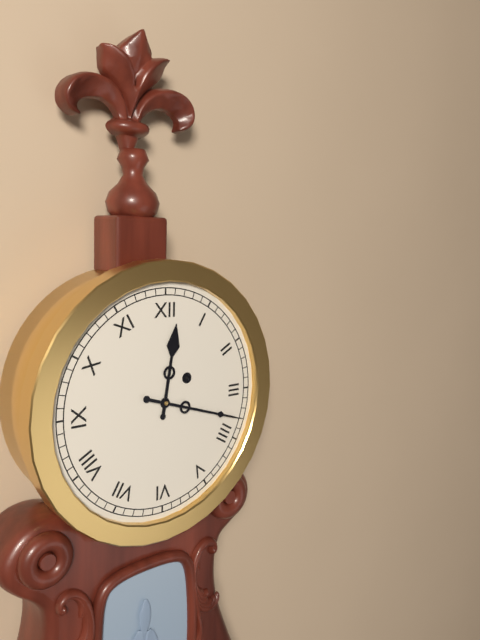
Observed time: 12:18
